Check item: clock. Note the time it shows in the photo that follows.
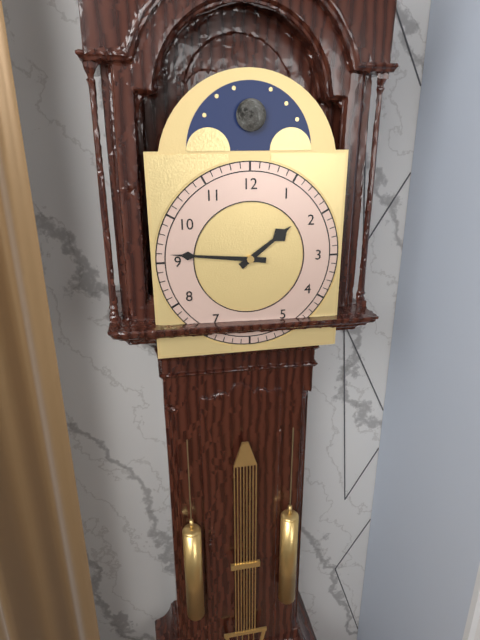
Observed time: 1:46
